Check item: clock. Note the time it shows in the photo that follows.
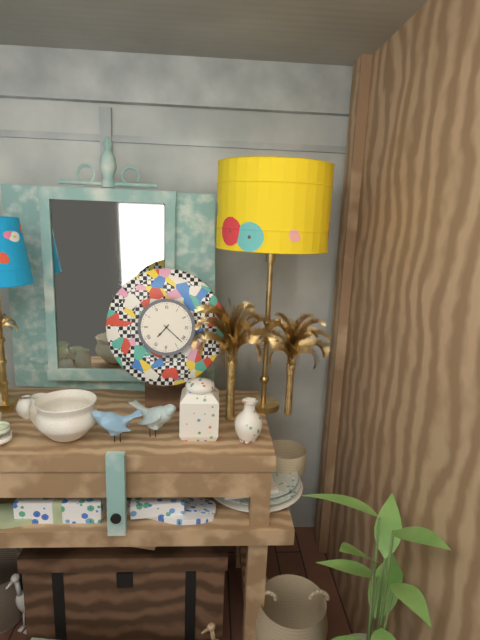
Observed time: 7:22
